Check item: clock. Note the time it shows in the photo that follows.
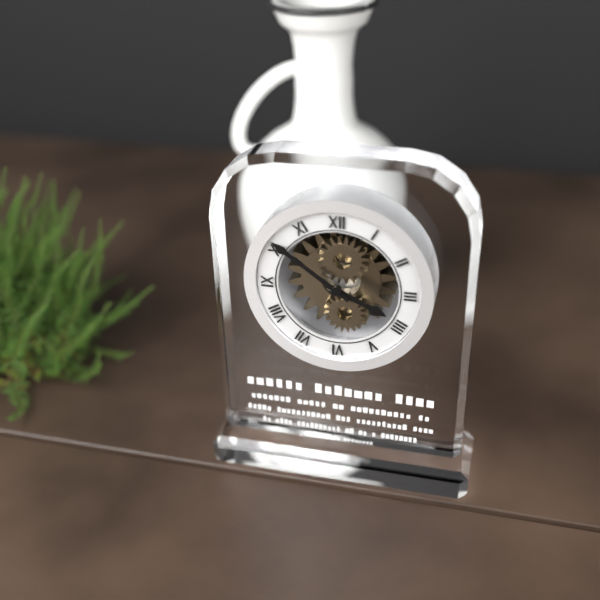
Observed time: 3:51
